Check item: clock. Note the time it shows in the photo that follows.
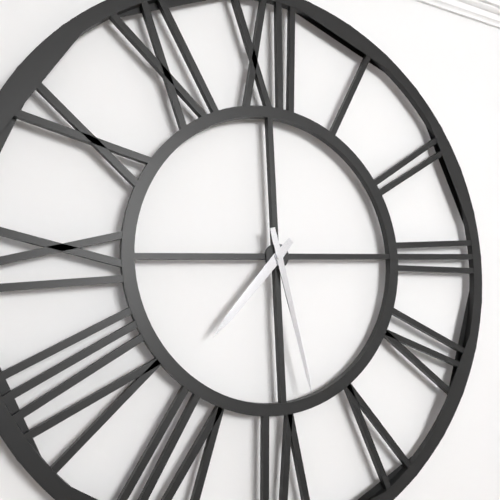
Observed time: 7:28
